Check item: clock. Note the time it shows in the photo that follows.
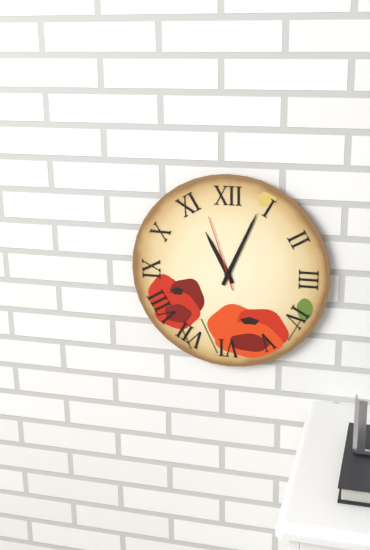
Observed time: 11:04:57
